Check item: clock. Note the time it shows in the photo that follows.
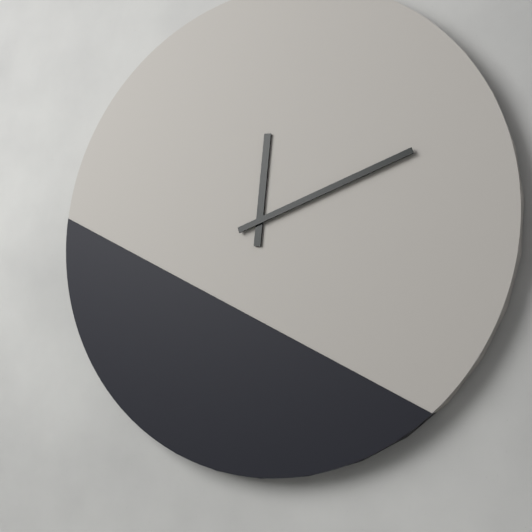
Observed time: 12:12
